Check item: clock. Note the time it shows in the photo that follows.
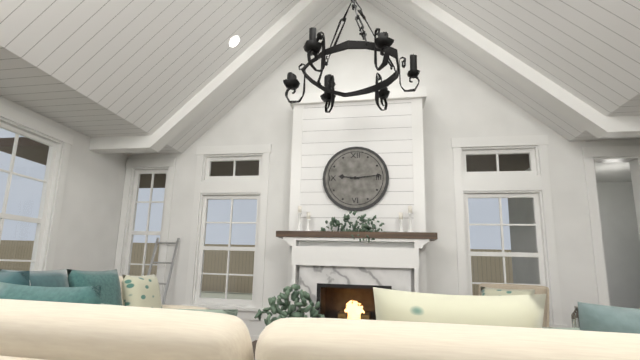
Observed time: 9:14
